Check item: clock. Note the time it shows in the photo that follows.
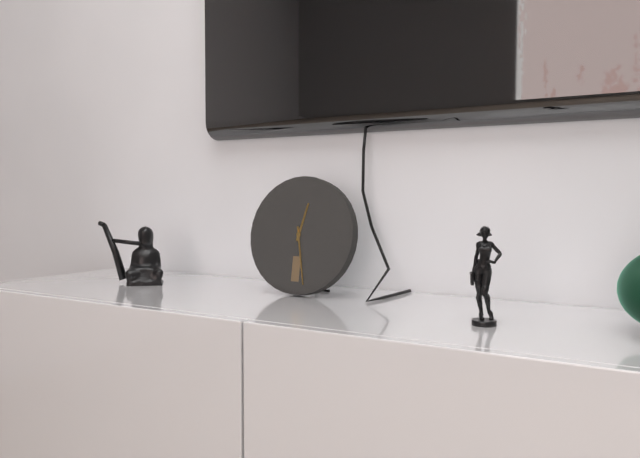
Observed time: 12:28
